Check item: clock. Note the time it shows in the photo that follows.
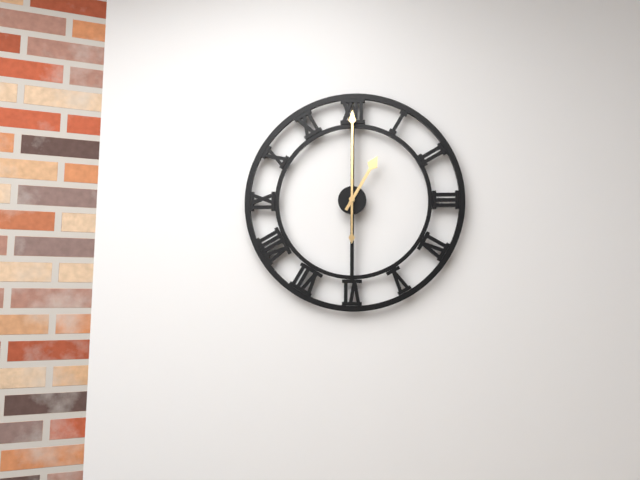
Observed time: 1:00
